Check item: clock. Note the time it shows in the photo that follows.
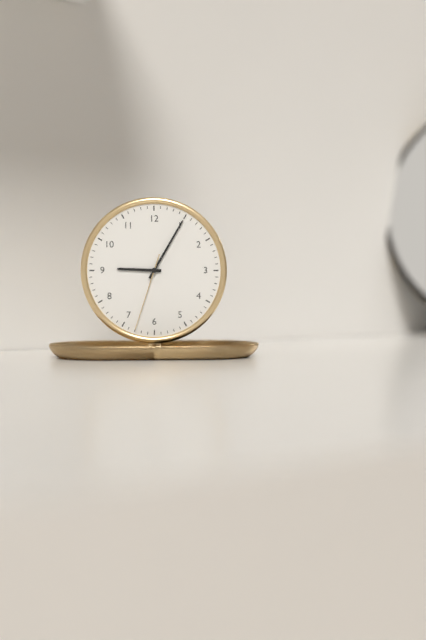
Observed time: 9:05:33
